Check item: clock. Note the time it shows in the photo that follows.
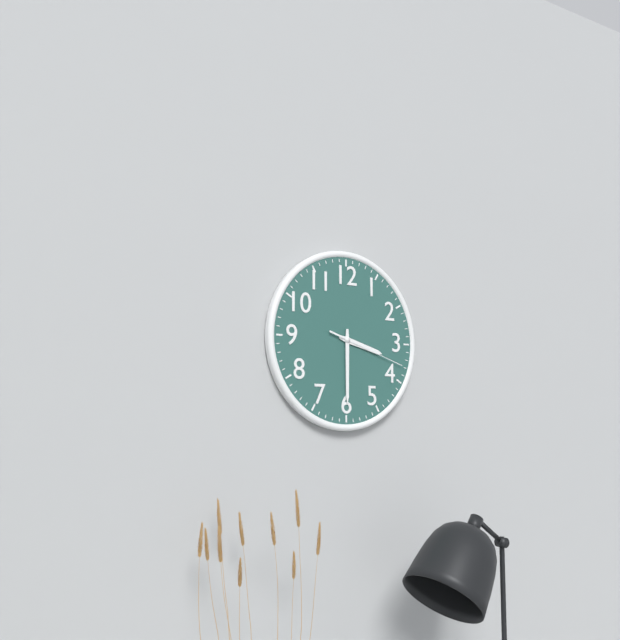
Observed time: 3:30:18
